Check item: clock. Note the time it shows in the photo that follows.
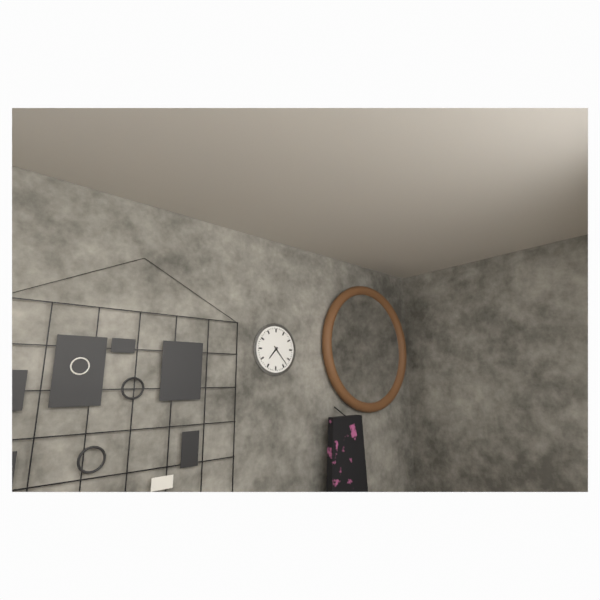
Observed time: 7:23
